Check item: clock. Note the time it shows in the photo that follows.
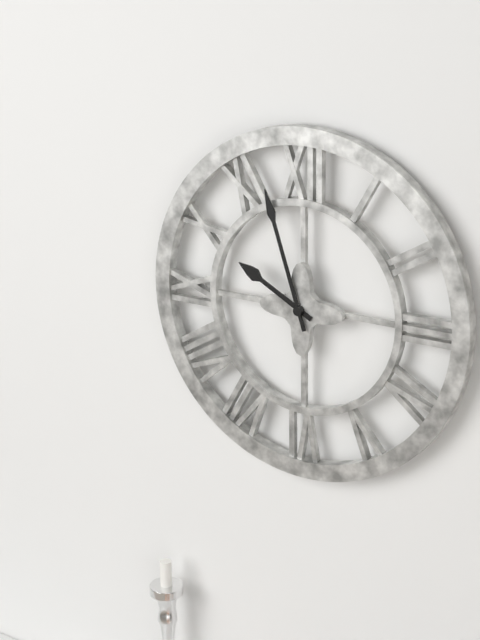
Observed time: 9:57
